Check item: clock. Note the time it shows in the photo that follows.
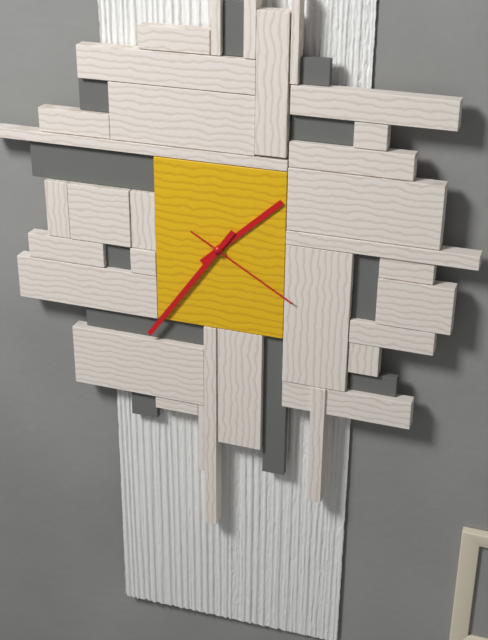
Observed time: 1:36:20
